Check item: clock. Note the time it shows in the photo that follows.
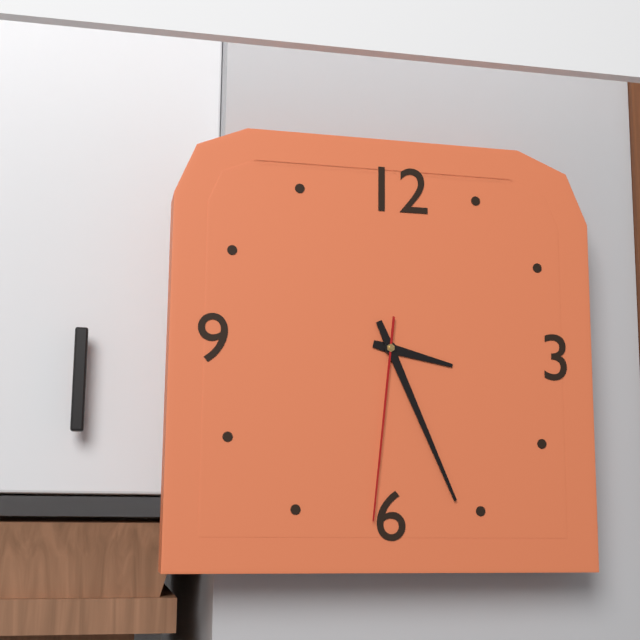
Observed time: 3:26:31
